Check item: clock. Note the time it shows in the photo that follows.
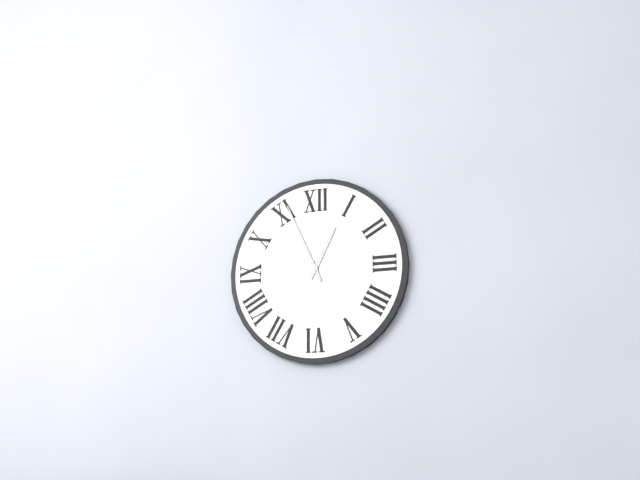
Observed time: 12:56
